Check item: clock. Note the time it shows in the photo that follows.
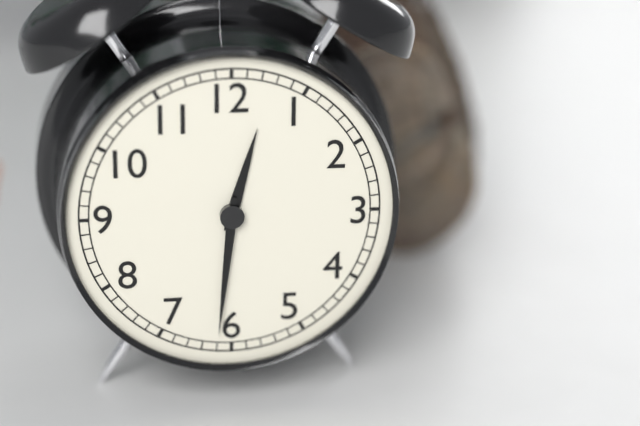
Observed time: 12:31
